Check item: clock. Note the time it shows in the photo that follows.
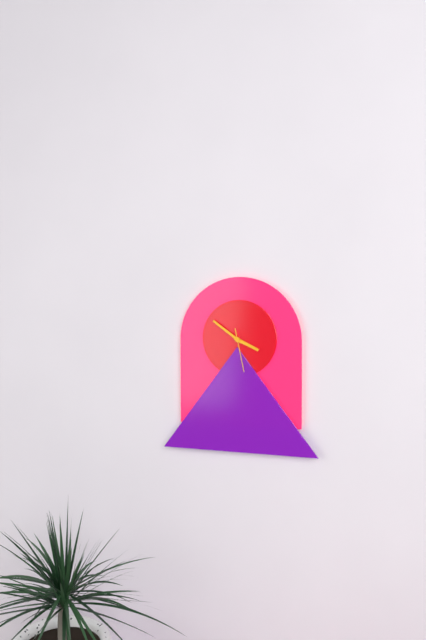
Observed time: 3:51
